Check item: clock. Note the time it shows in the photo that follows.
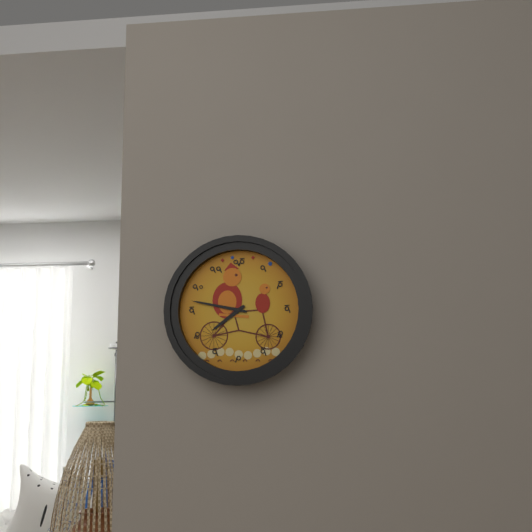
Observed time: 7:47
